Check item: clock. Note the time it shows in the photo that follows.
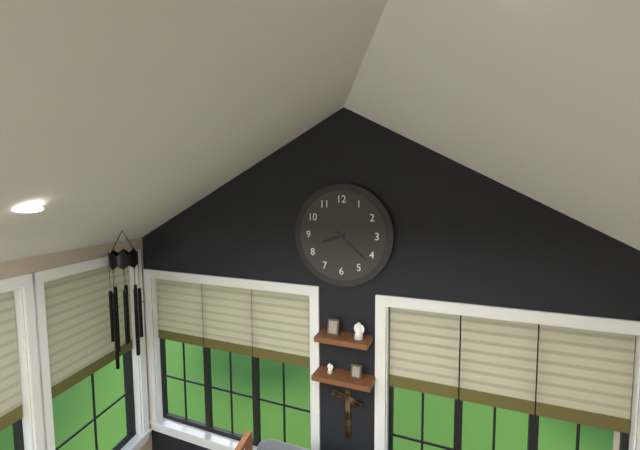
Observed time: 8:22
